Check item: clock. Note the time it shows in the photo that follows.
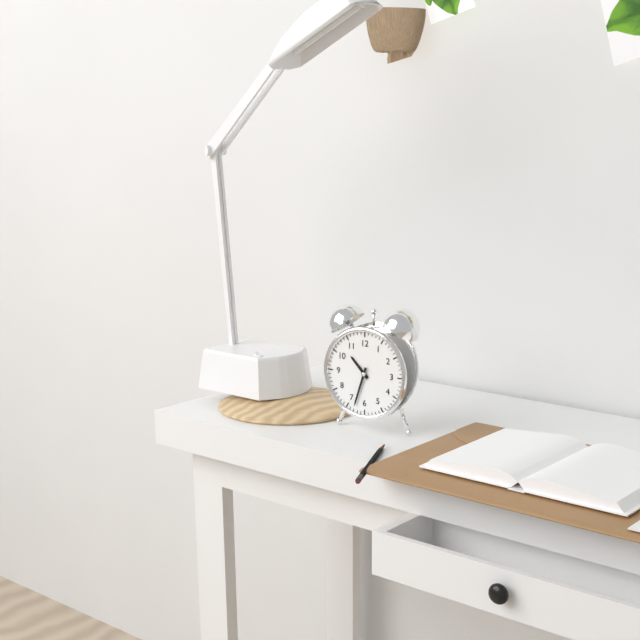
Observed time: 10:33
